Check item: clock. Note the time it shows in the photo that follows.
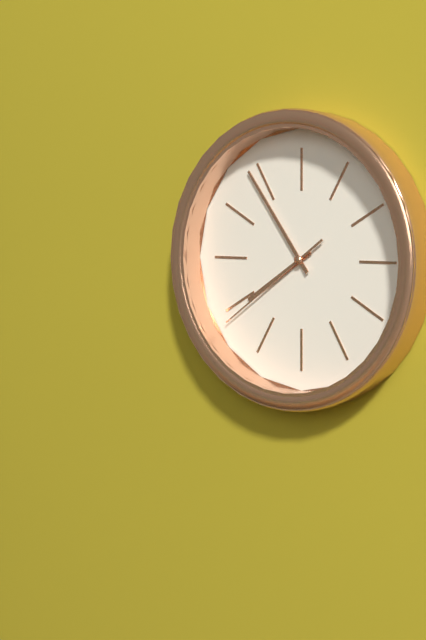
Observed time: 7:54:39
